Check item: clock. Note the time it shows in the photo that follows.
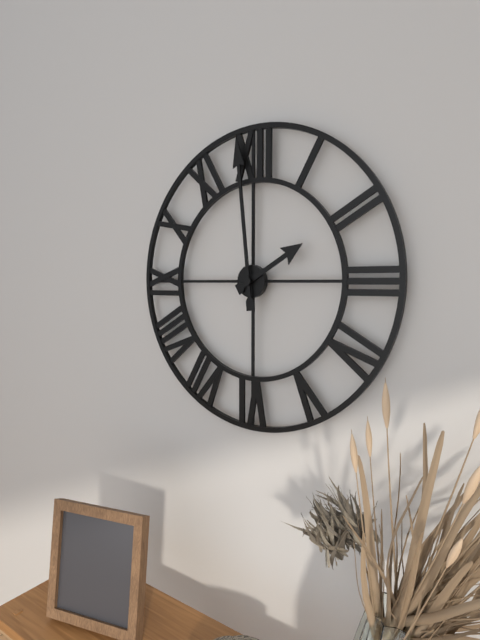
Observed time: 1:59
